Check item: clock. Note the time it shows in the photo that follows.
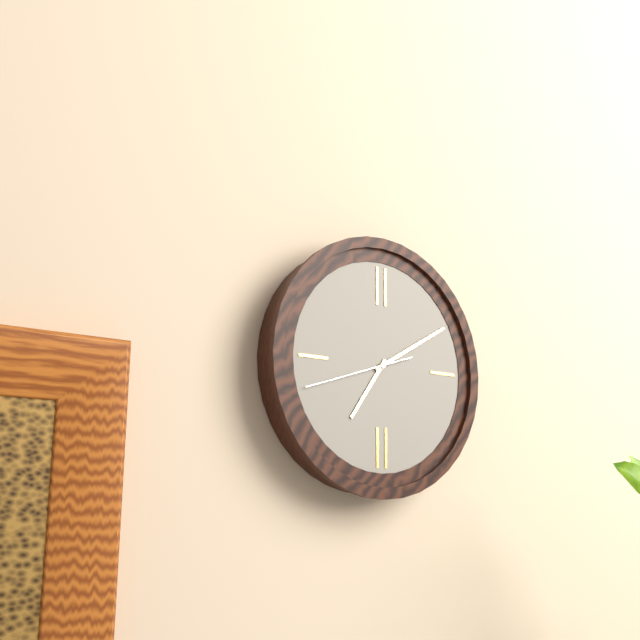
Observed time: 7:10:42
